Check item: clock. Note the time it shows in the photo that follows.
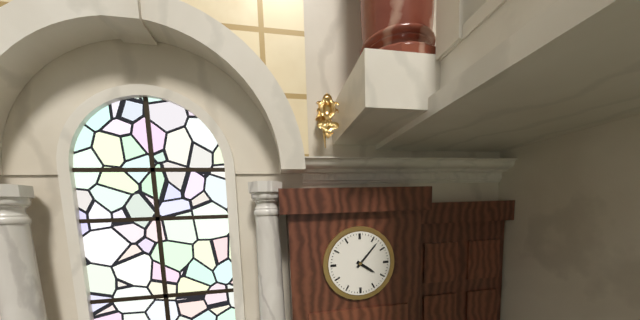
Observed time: 4:07
